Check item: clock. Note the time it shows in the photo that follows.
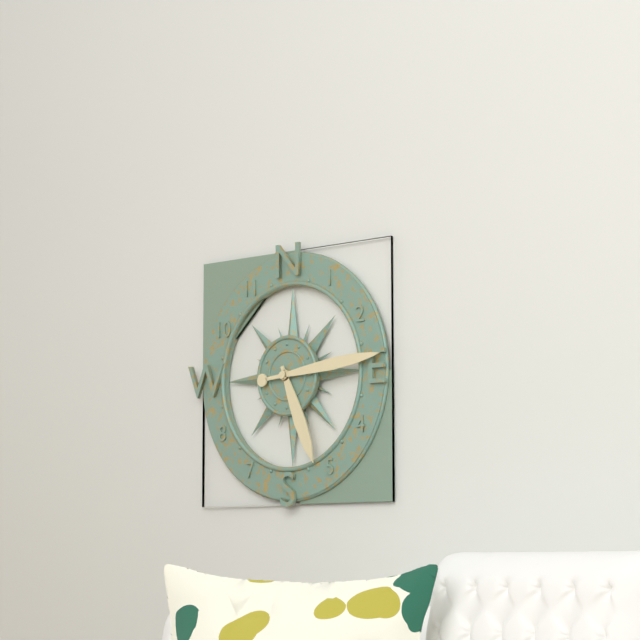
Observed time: 5:14
